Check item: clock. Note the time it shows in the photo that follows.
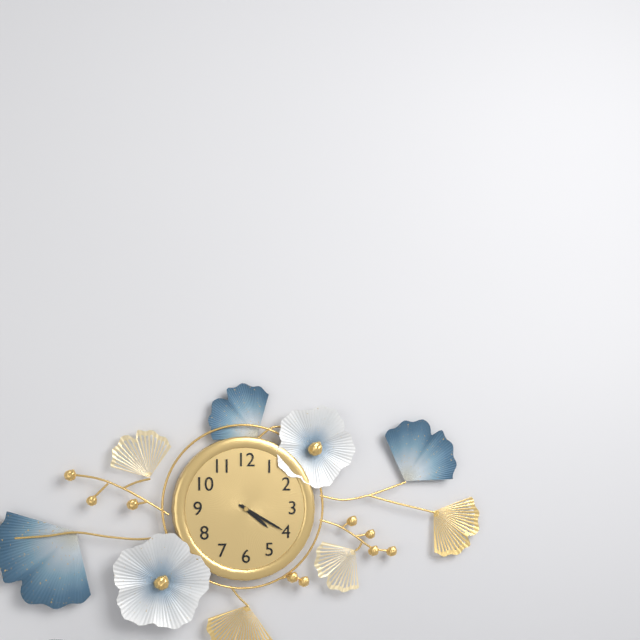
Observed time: 4:20
